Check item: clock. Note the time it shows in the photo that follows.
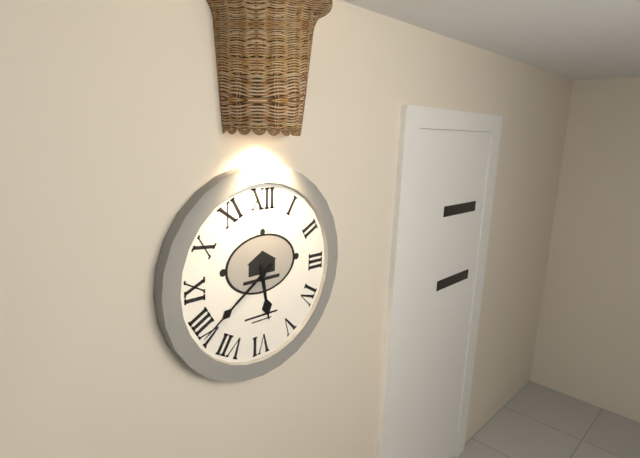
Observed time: 5:39
